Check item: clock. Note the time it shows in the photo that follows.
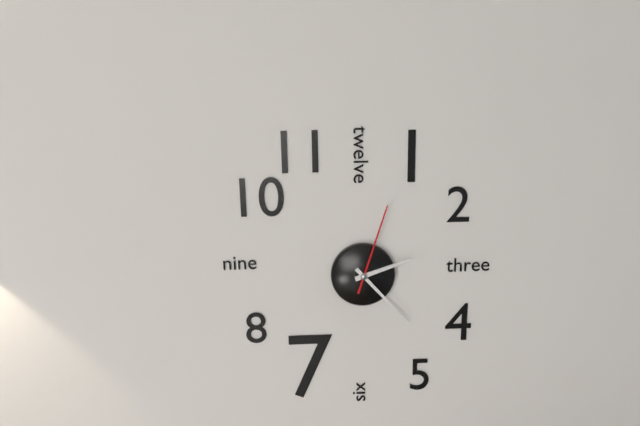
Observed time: 2:23:03
